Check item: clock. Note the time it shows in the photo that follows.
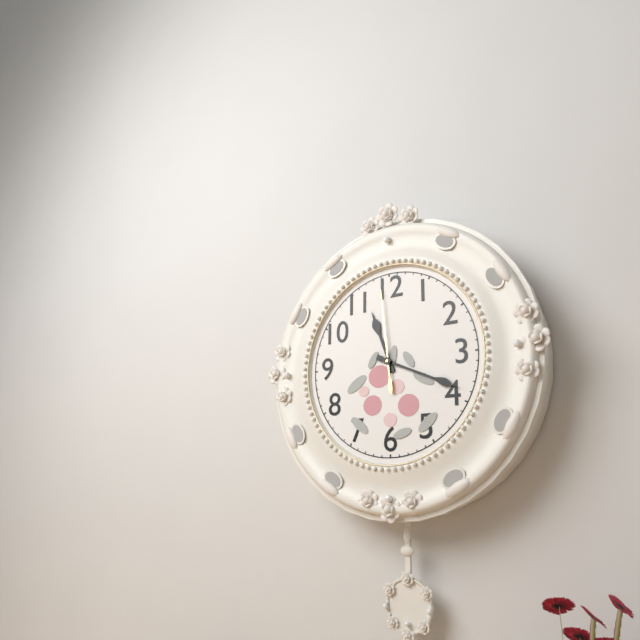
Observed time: 11:19:59
